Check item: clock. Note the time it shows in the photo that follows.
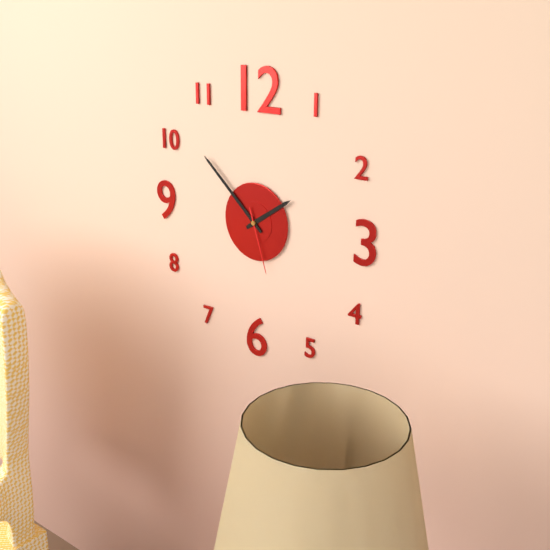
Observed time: 1:52:27
